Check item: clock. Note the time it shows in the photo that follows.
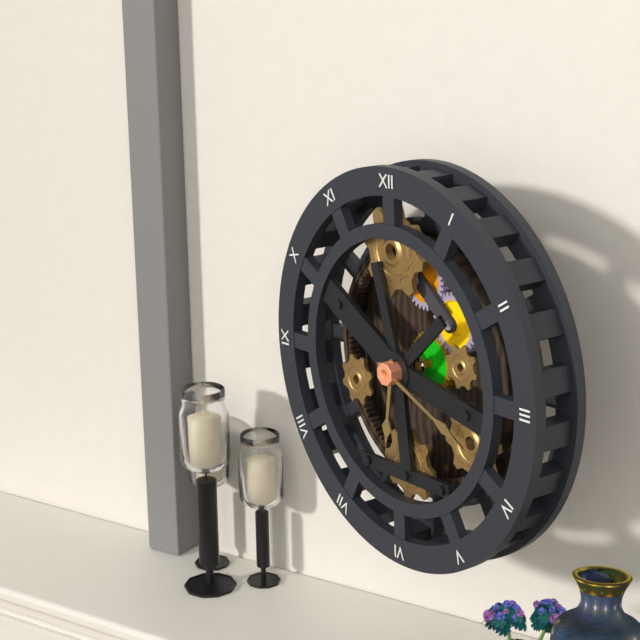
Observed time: 6:19
